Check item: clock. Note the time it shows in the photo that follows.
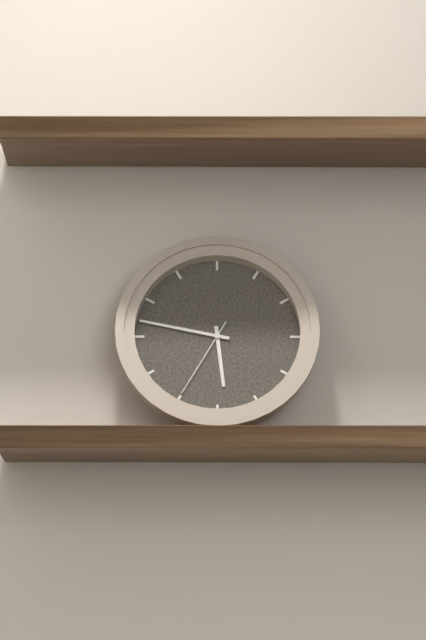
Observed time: 5:47:35
